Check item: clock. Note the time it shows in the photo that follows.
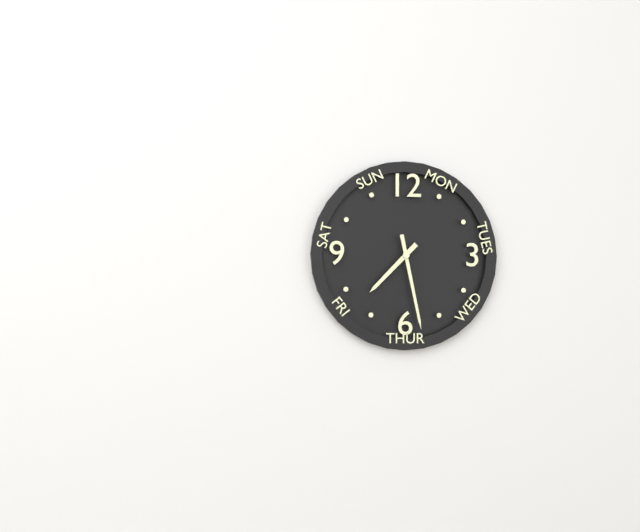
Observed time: 7:28
